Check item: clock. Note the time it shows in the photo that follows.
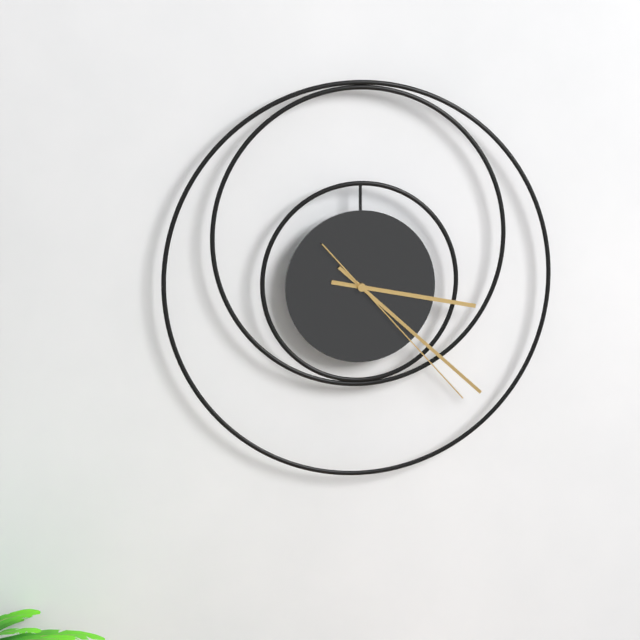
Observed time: 3:22:23
